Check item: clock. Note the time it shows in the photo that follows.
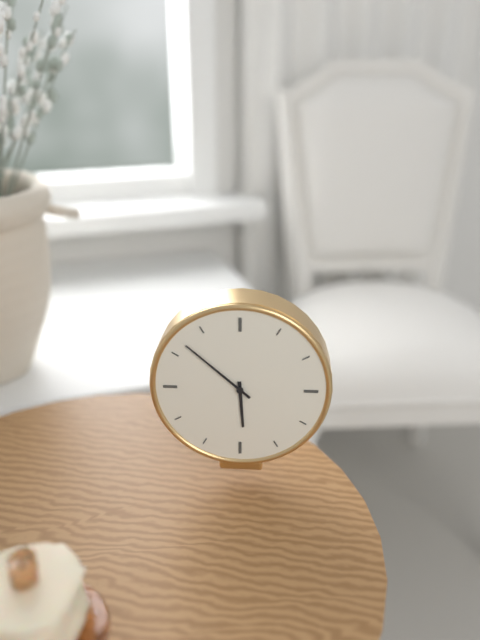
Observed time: 5:52
